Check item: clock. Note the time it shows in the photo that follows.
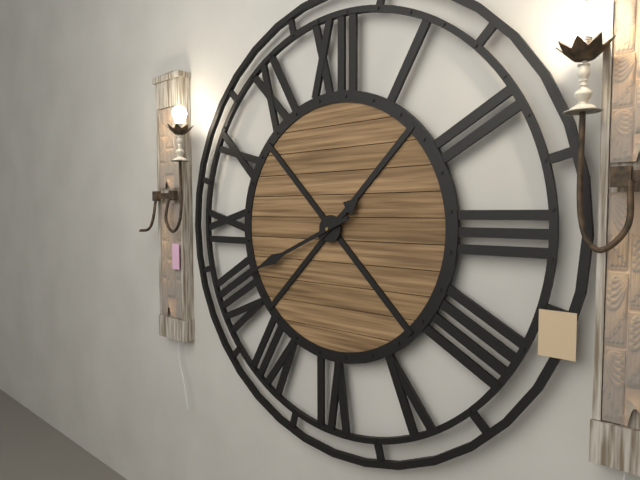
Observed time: 1:41
